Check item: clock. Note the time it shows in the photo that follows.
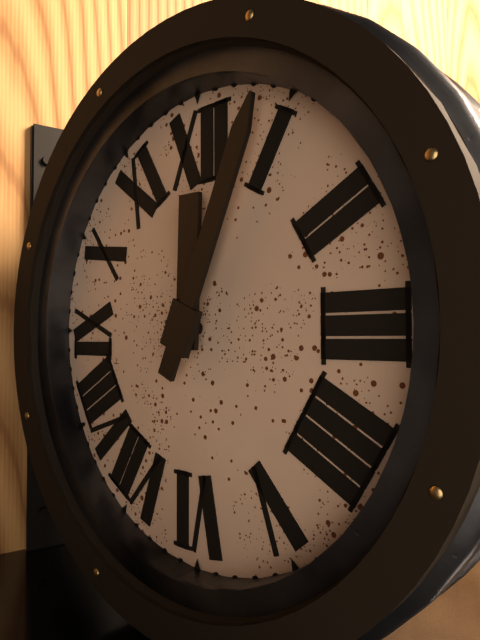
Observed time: 12:04
